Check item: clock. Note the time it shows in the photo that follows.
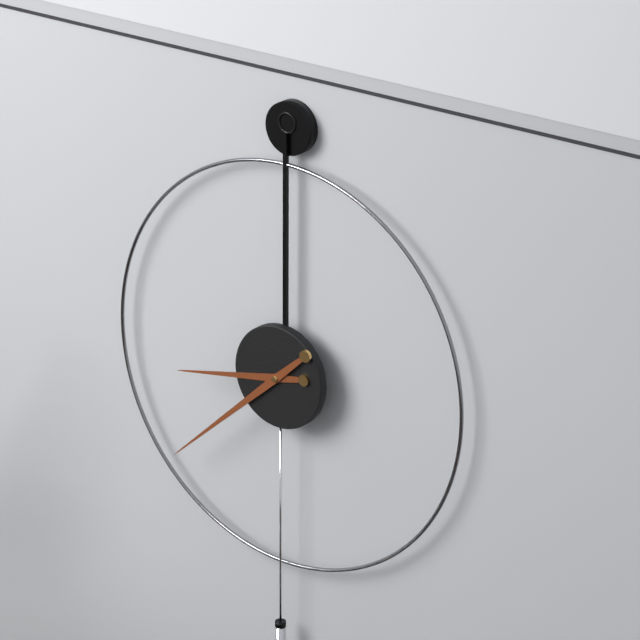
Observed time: 8:38
